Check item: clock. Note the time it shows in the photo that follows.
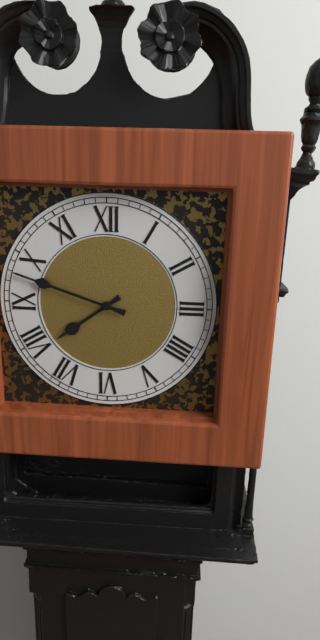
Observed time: 7:48
